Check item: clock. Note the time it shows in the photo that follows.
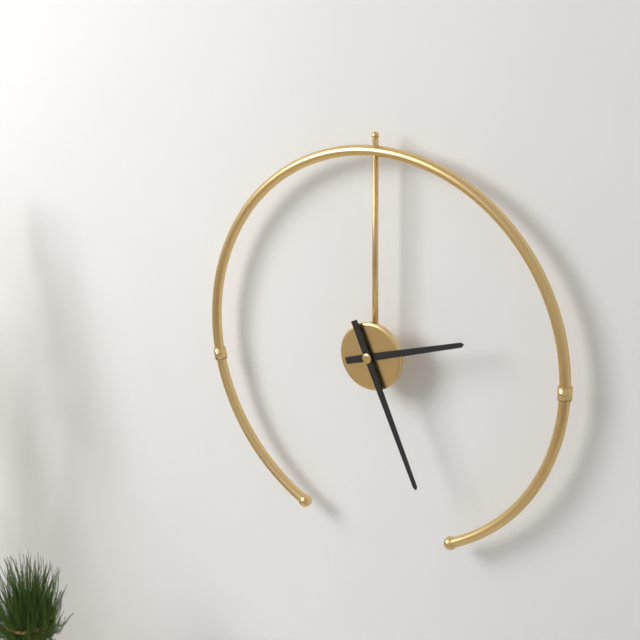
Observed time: 2:26
